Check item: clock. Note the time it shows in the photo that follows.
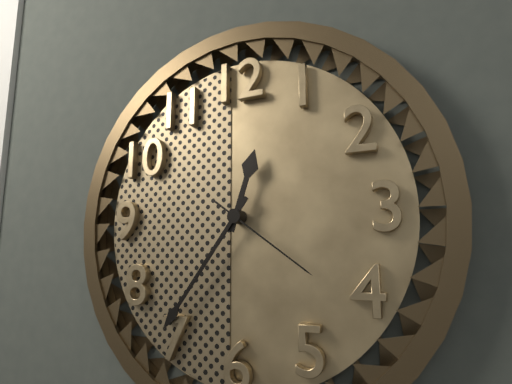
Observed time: 12:36:21
